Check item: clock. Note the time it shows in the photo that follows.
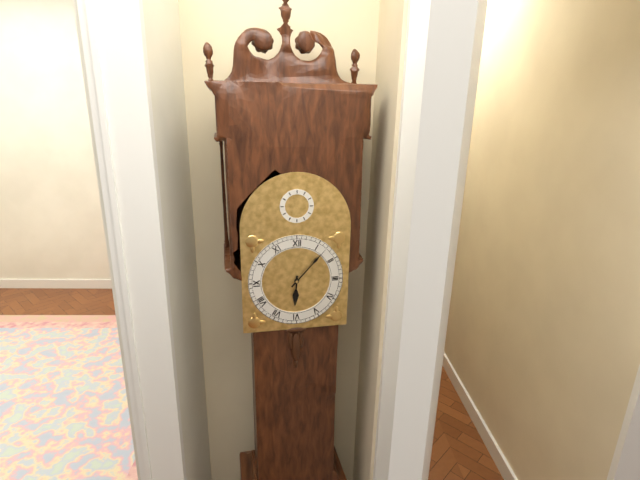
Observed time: 6:07
